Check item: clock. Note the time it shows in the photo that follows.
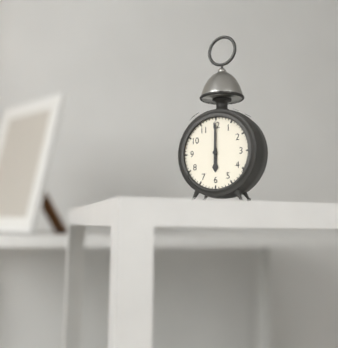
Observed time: 6:00
